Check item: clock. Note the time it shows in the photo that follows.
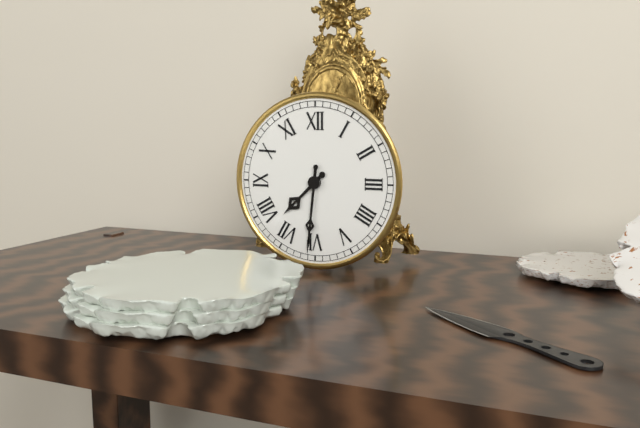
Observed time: 7:31
